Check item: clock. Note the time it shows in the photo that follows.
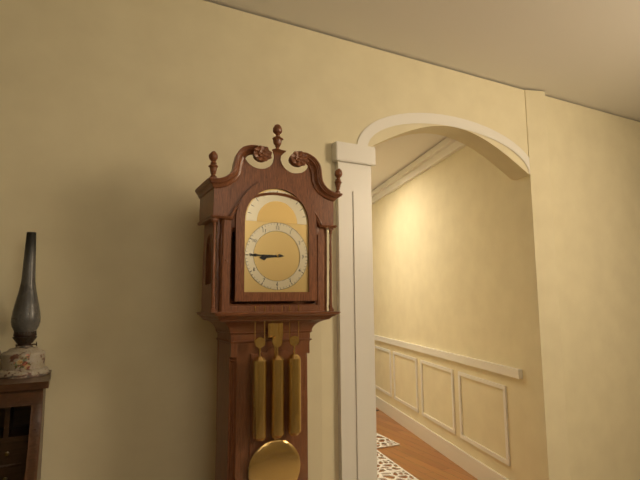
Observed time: 8:45
